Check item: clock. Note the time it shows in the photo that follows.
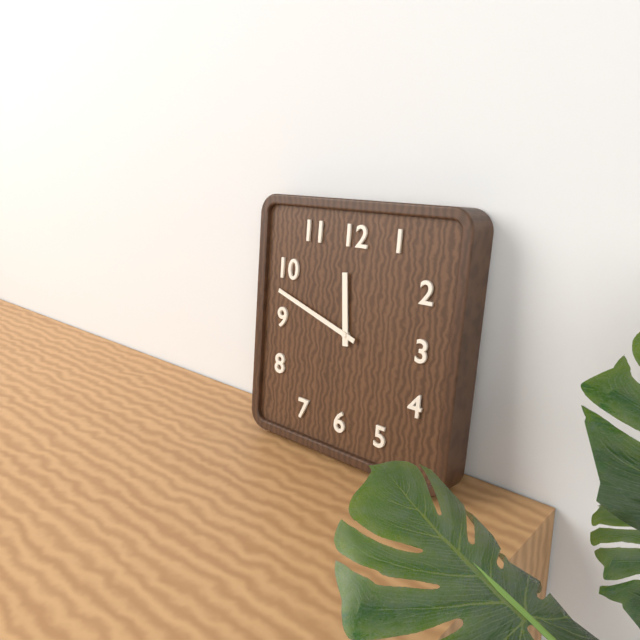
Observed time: 11:48
